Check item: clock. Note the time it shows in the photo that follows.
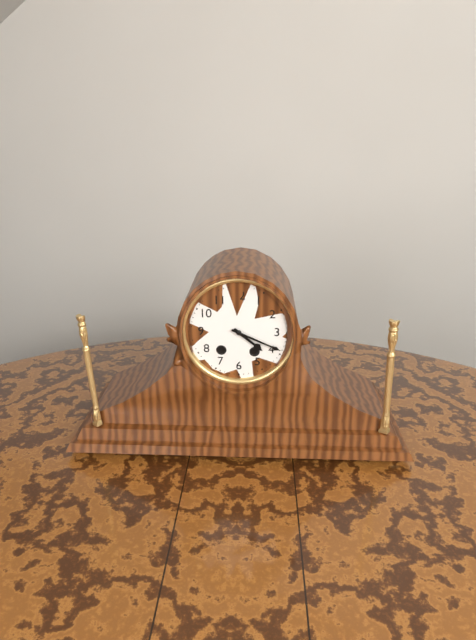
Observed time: 4:19
